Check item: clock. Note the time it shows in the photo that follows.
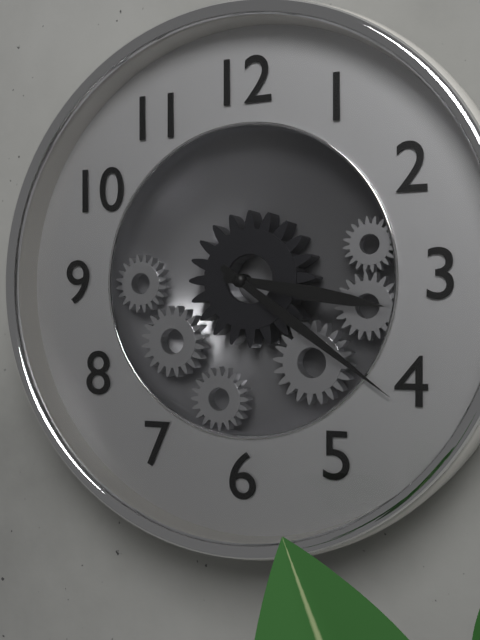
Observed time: 3:21
